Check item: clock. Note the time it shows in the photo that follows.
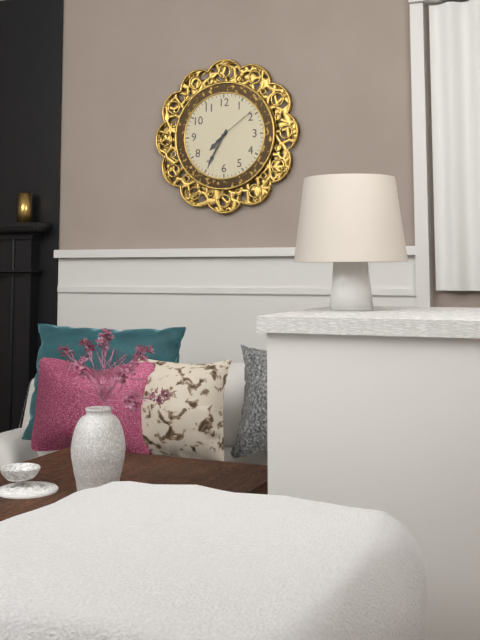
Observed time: 7:35
